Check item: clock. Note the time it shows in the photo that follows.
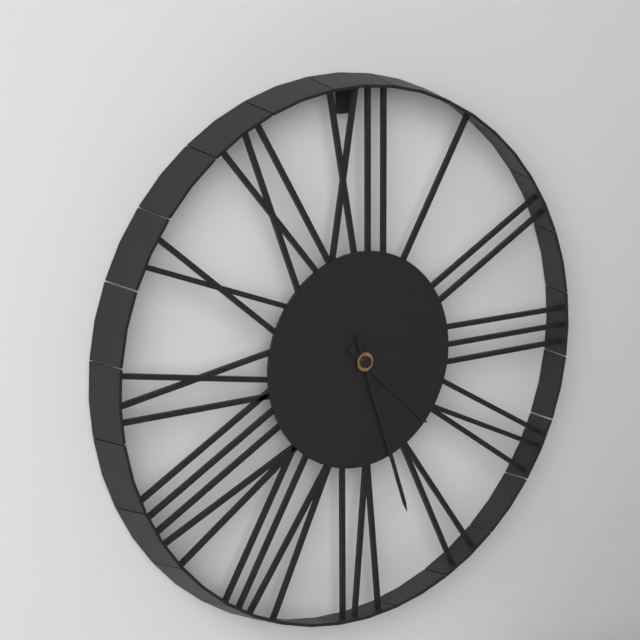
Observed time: 4:27
